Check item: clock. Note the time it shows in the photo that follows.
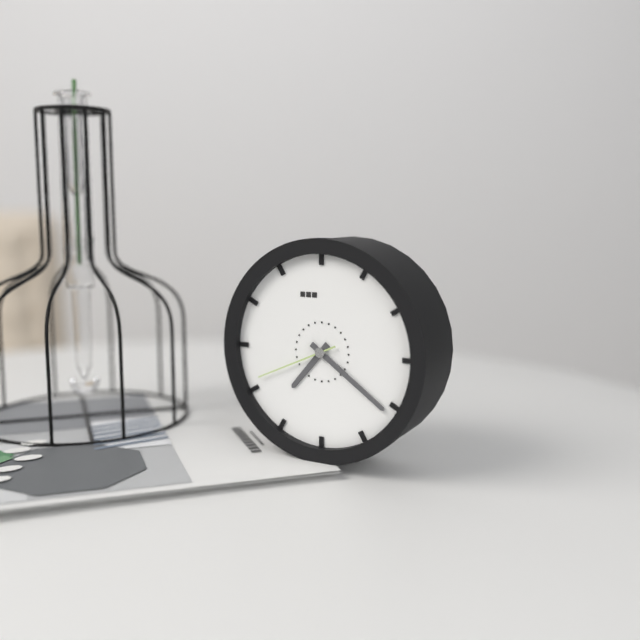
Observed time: 7:21:41
